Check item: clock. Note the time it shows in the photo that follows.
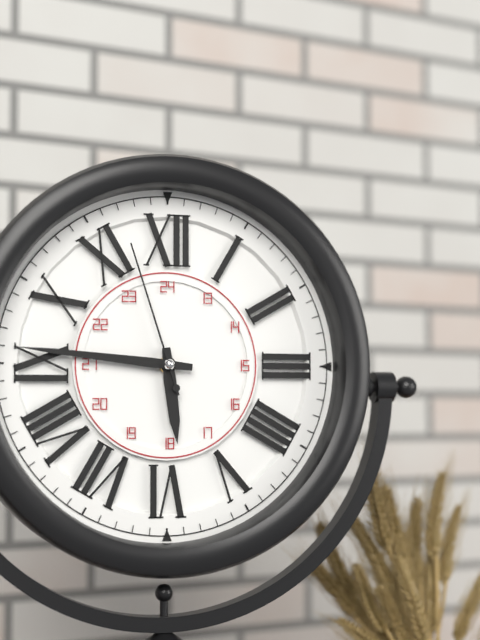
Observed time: 5:46:57
